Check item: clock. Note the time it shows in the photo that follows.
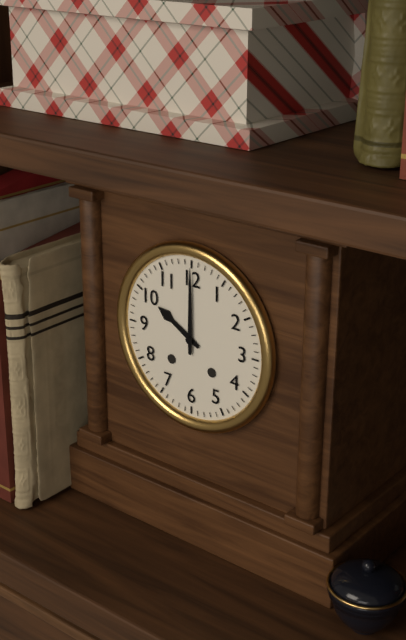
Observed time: 10:00
